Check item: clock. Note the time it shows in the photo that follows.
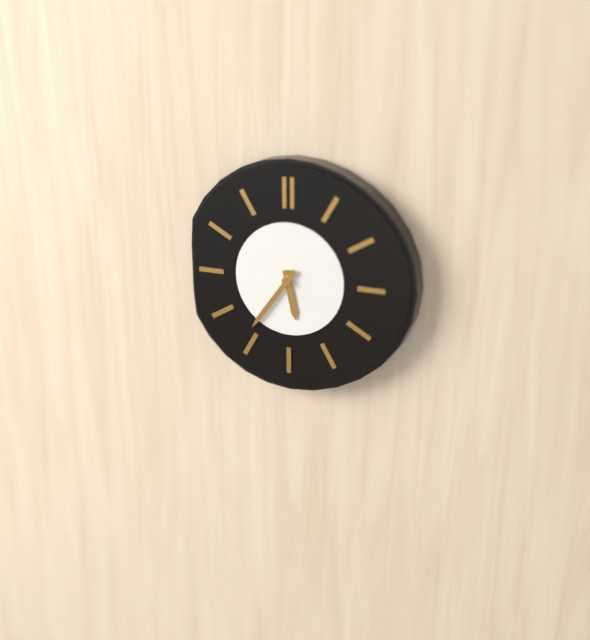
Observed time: 5:36
